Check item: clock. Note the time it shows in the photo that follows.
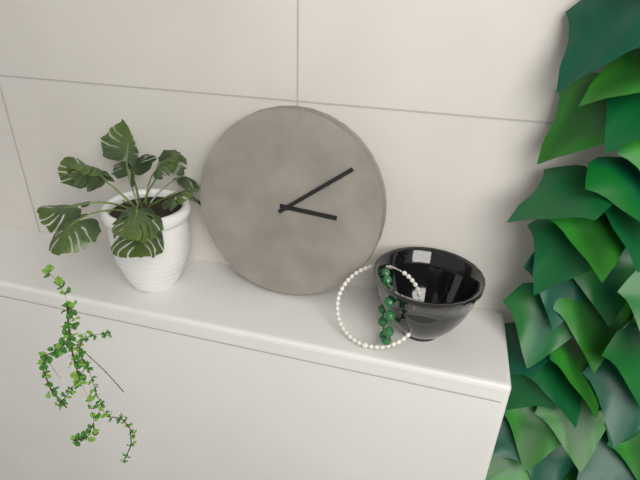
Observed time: 3:09
